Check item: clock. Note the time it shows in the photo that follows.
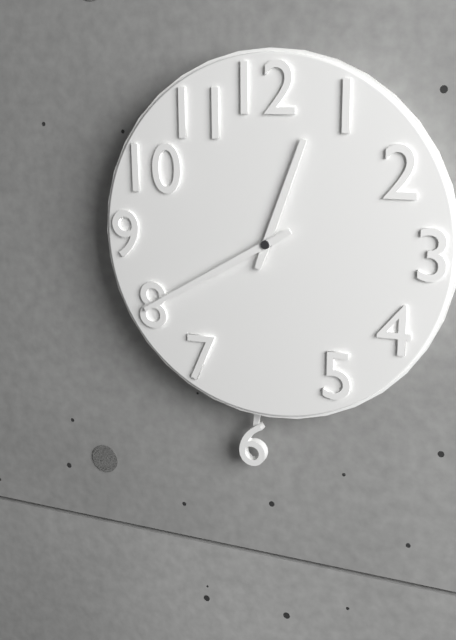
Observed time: 12:40
